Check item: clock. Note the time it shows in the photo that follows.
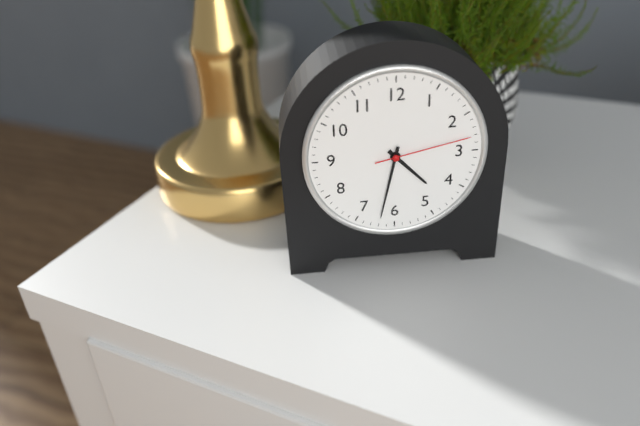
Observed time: 4:32:13
